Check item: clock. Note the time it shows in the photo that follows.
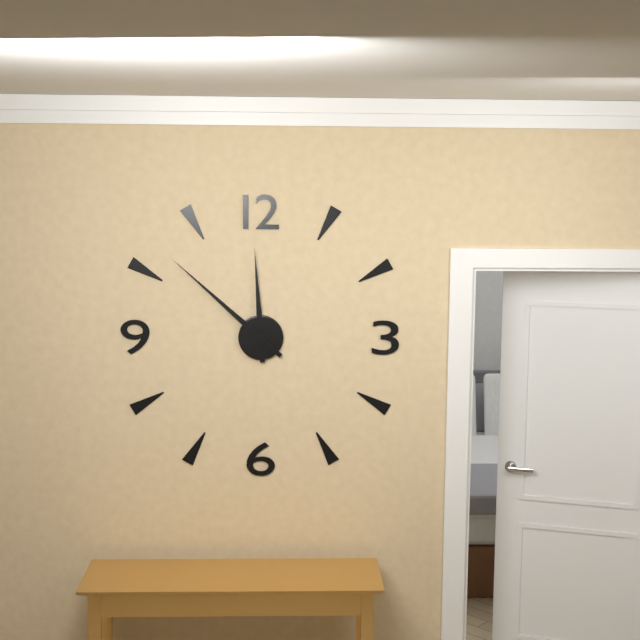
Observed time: 11:52
